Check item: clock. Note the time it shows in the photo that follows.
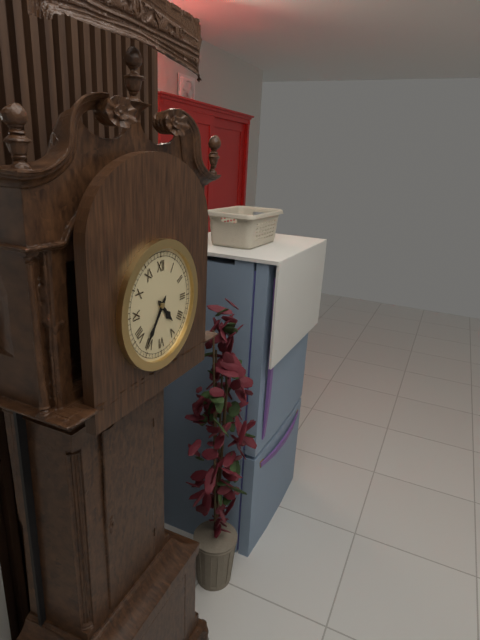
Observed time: 4:36
